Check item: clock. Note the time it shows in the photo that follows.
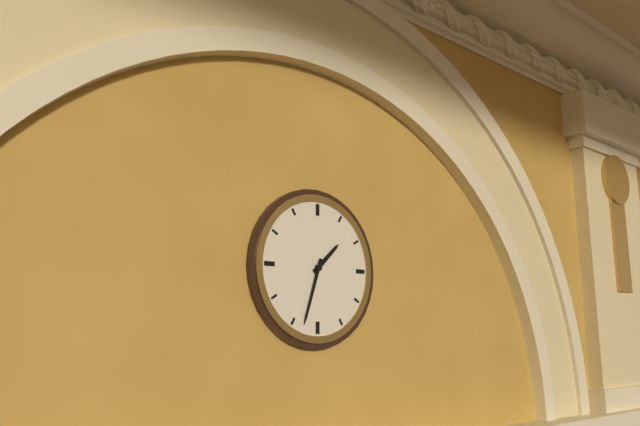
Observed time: 1:33
